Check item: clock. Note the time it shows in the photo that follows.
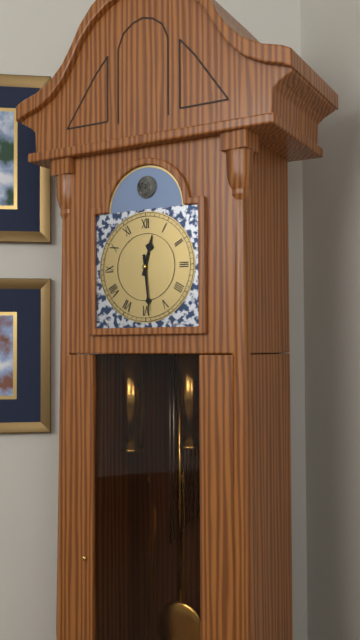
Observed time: 12:29
